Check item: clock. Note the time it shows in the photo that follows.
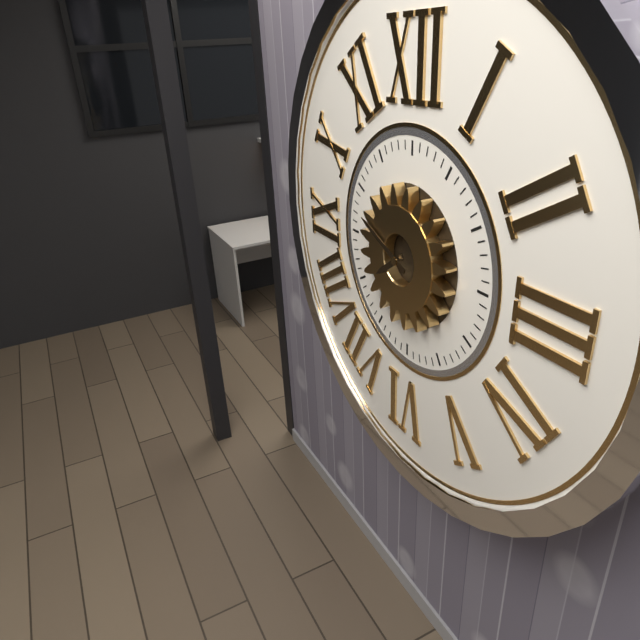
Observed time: 7:49
